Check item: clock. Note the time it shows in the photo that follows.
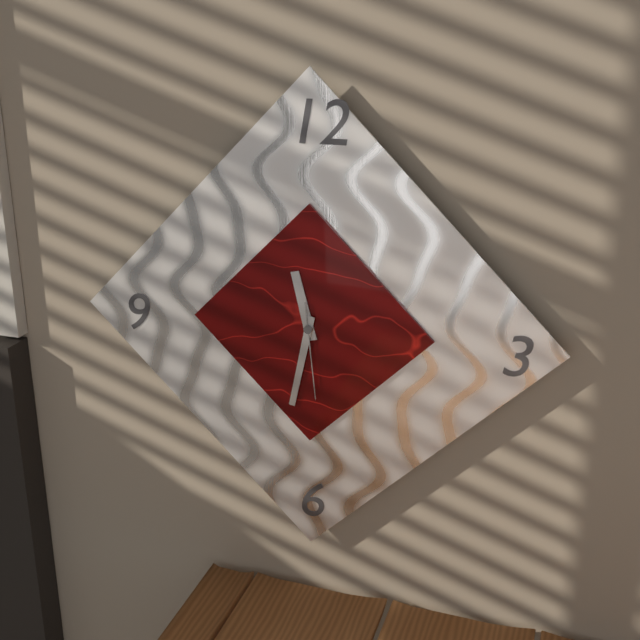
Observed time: 11:32:29
